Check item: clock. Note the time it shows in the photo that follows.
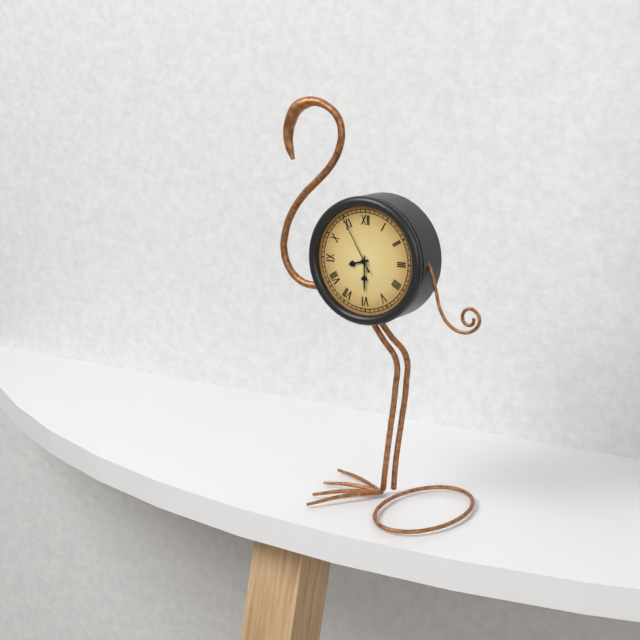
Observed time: 8:30:55
